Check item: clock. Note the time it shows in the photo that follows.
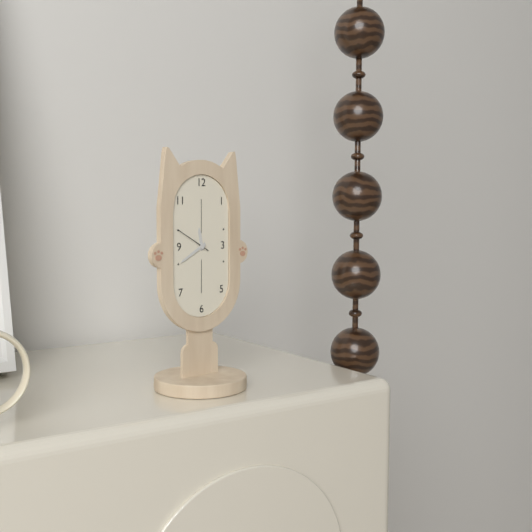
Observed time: 11:40
